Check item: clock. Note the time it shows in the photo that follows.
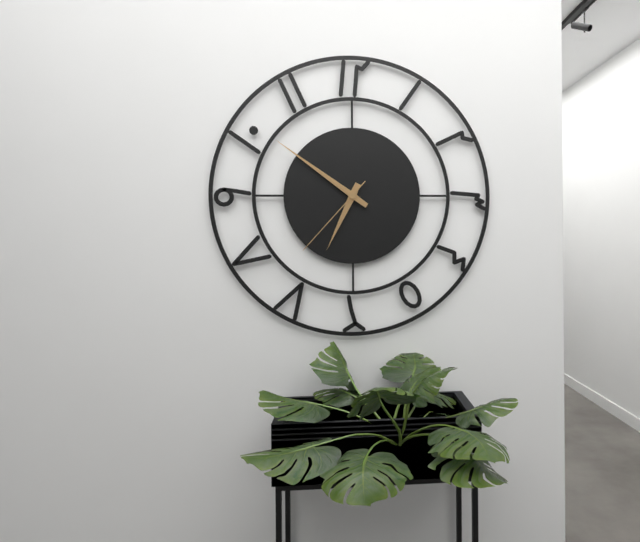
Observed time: 6:51:37
